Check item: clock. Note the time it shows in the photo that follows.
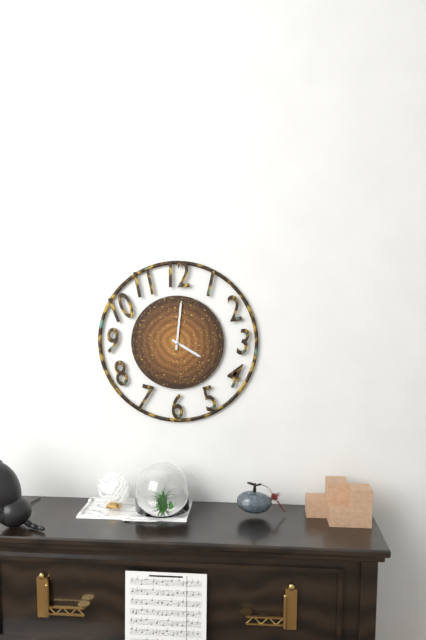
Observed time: 4:01
